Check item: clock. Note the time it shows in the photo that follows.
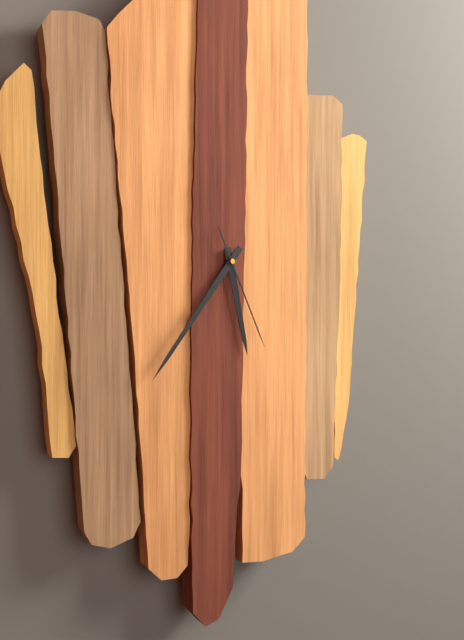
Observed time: 5:36:26
